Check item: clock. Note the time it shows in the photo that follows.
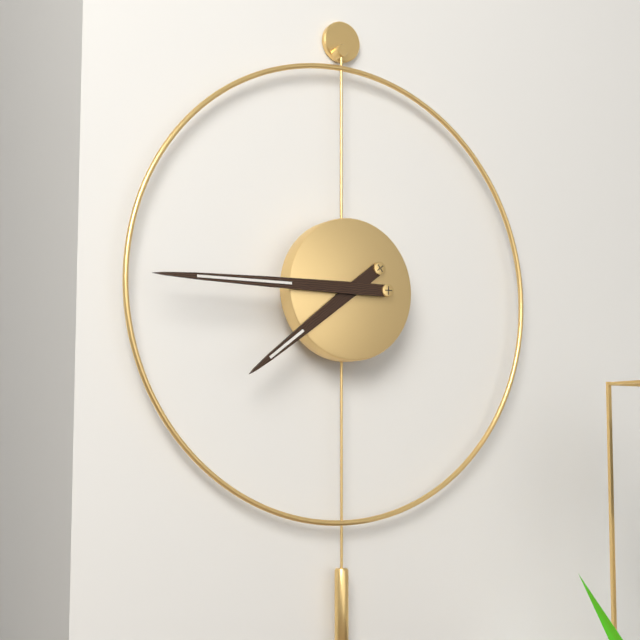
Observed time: 7:45
